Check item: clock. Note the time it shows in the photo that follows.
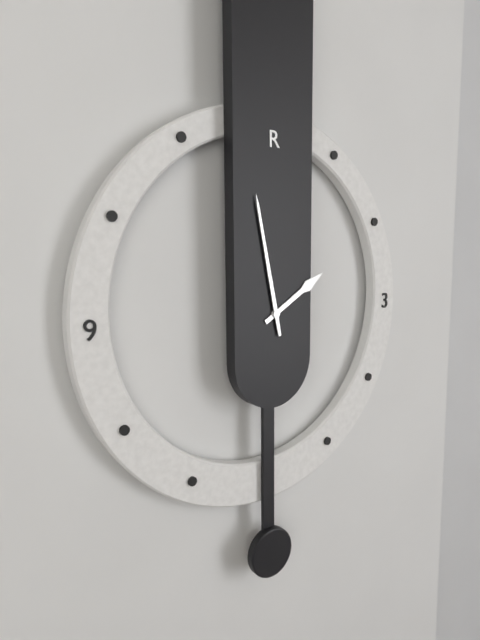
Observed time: 1:58
